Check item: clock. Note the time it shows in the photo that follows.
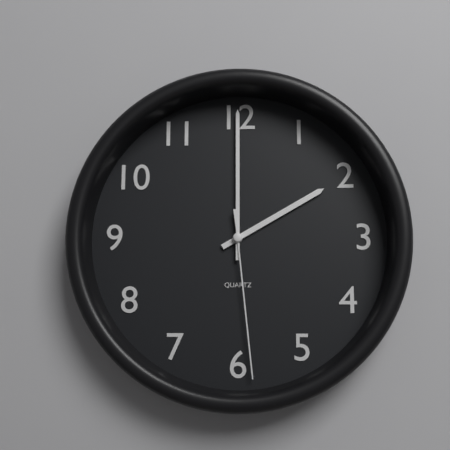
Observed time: 2:00:29
